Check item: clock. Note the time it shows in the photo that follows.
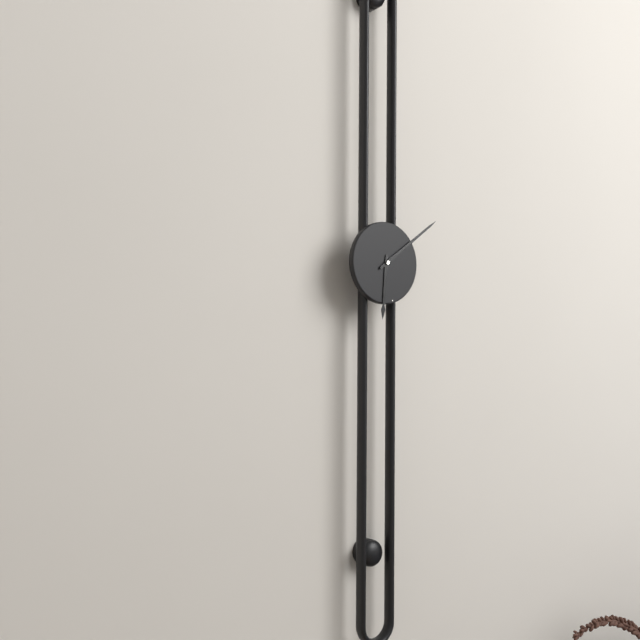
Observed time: 6:09
